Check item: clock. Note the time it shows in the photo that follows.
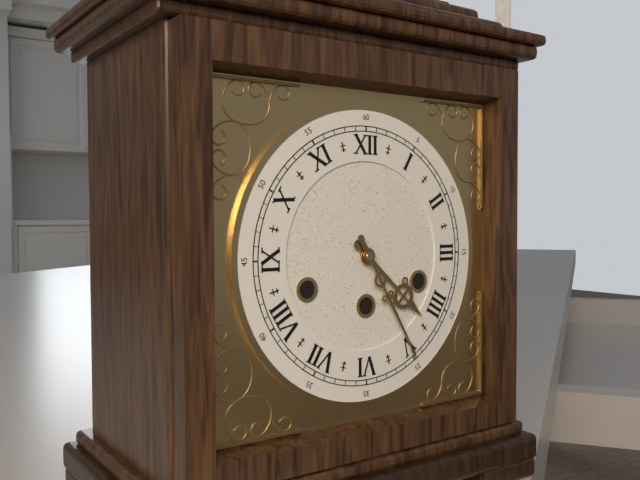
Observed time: 4:25
